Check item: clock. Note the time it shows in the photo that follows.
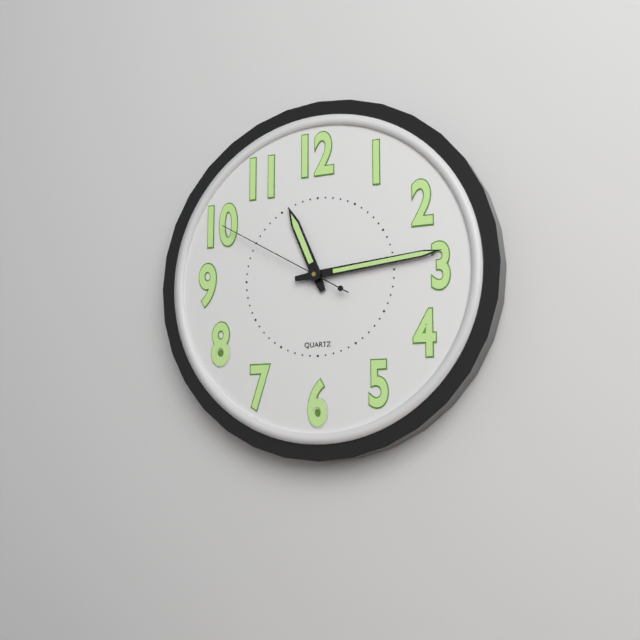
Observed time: 11:14:50
